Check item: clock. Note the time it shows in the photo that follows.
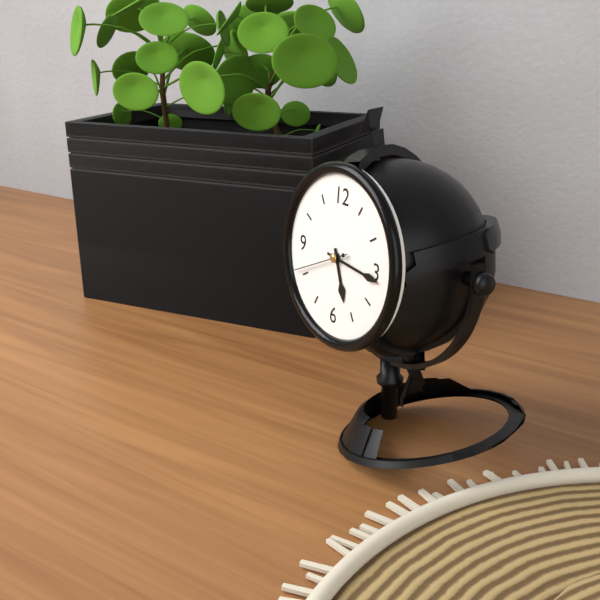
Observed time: 5:16:41
